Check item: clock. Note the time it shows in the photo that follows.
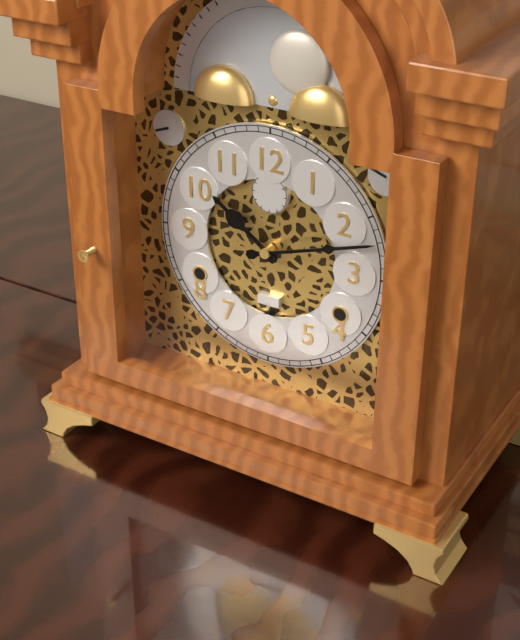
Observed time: 10:12
